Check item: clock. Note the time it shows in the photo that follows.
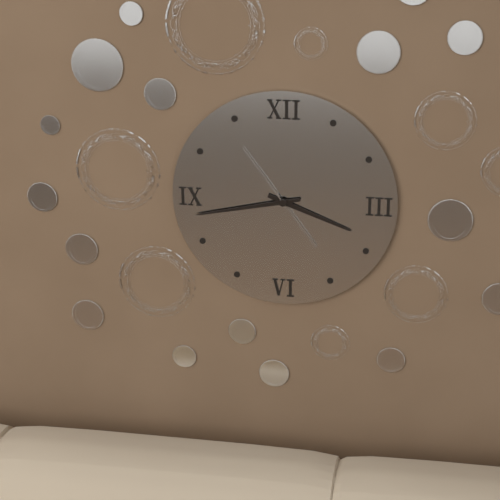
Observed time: 3:43:54
